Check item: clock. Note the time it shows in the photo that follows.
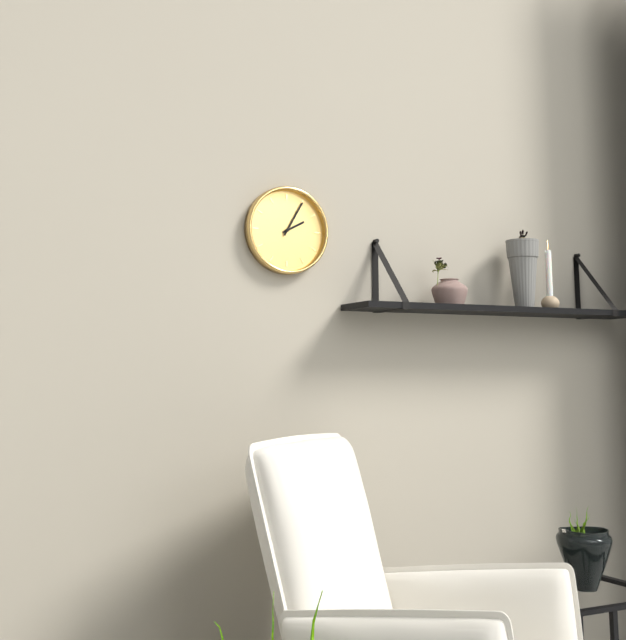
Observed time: 2:05
